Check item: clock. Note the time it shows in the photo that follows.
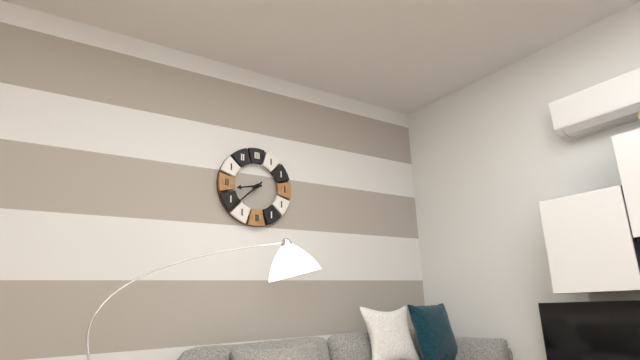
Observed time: 8:38
